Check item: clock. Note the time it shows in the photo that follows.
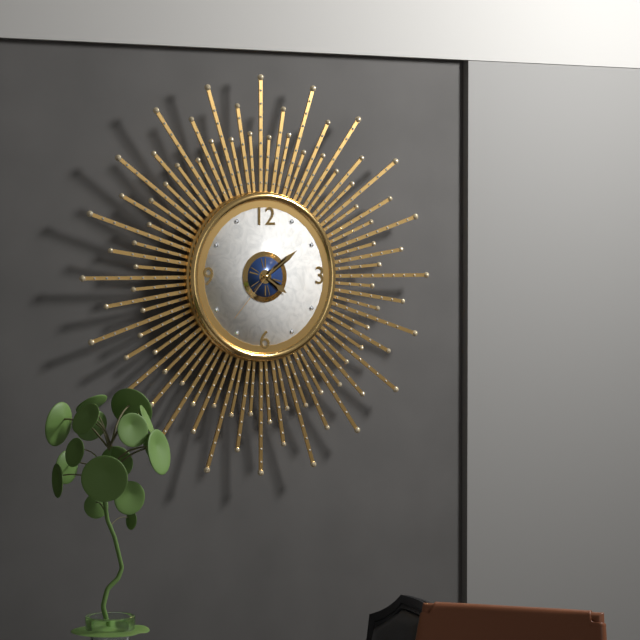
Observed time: 4:09:37
